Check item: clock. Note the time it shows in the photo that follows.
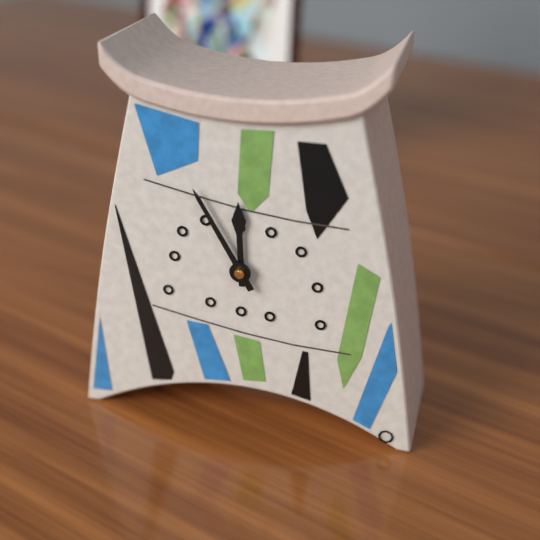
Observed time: 11:55
